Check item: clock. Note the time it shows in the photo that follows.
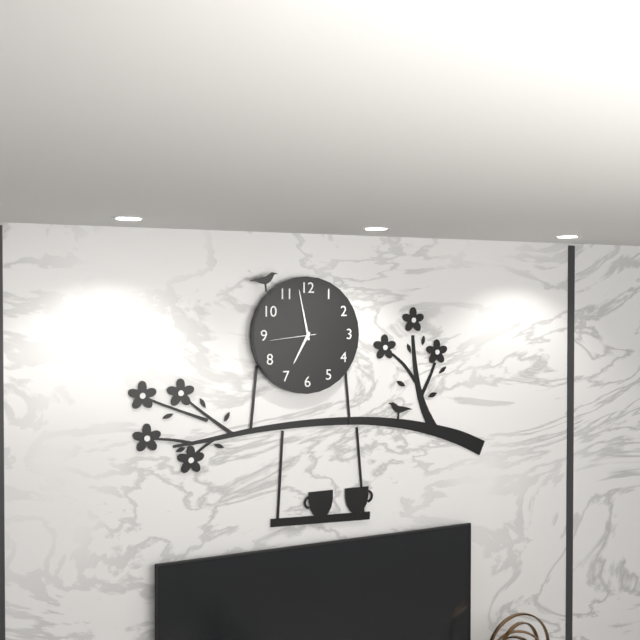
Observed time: 6:58
